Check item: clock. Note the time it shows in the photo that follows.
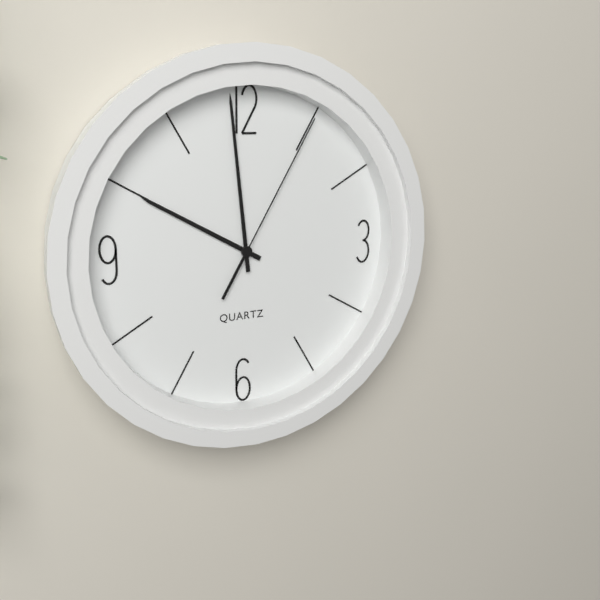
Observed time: 9:59:05
